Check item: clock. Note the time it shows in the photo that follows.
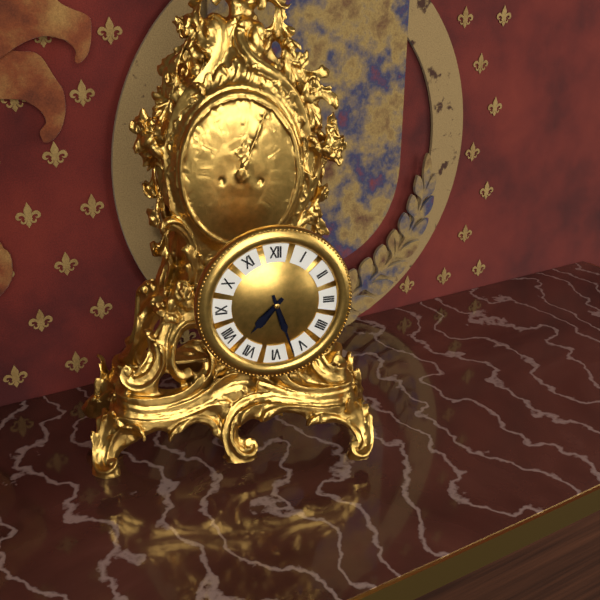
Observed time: 7:27
